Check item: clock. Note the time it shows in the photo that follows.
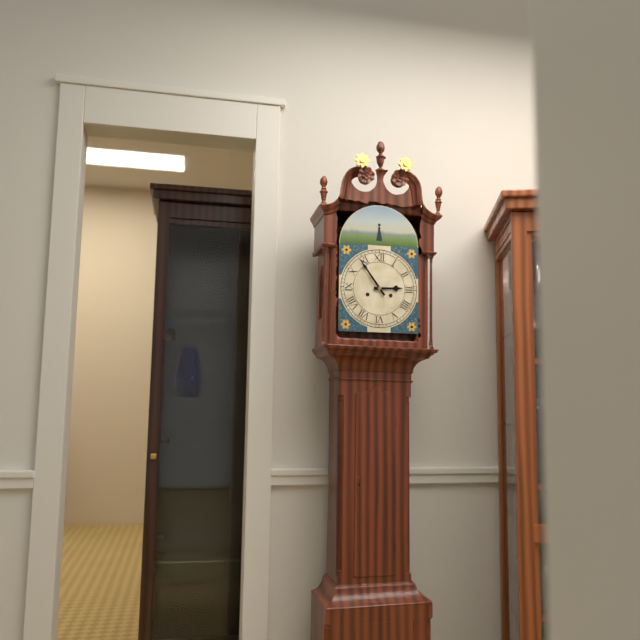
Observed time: 2:54
